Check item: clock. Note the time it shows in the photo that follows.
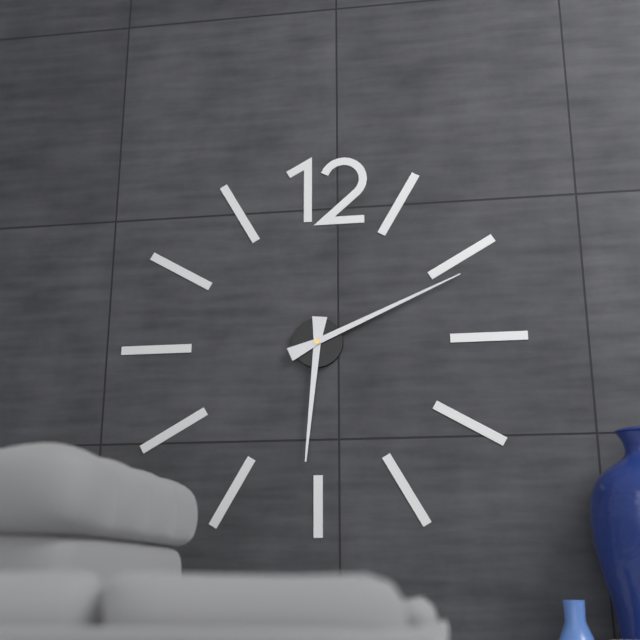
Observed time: 6:11
